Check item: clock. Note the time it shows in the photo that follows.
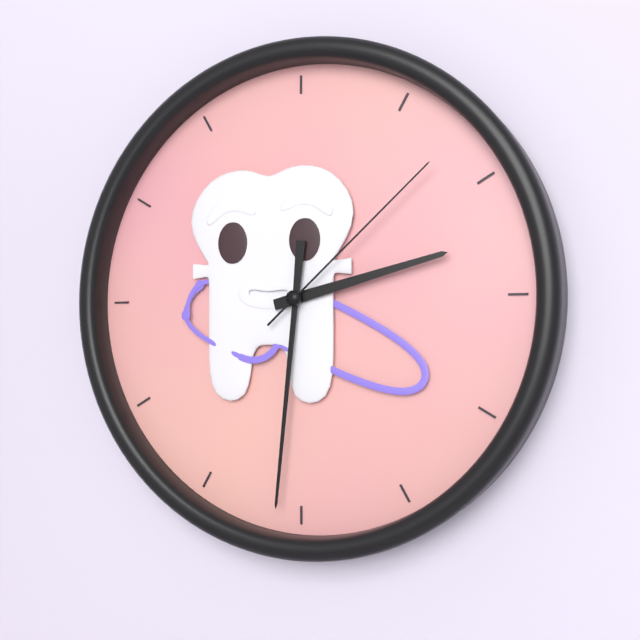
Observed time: 2:31:08
